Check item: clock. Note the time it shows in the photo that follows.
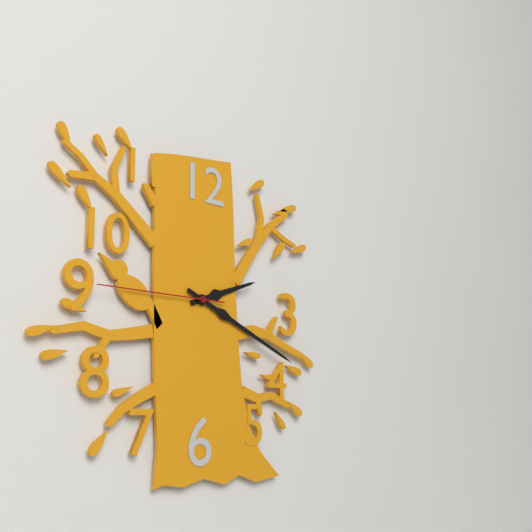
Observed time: 2:19:45
